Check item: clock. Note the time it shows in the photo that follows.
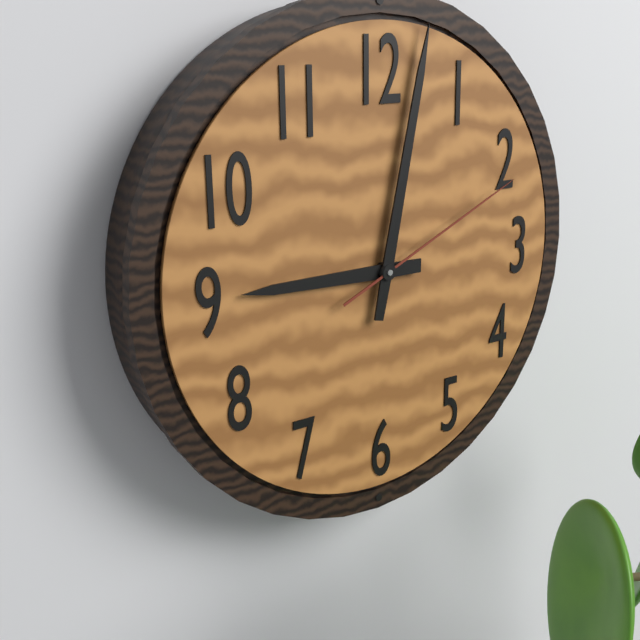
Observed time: 9:02:11
